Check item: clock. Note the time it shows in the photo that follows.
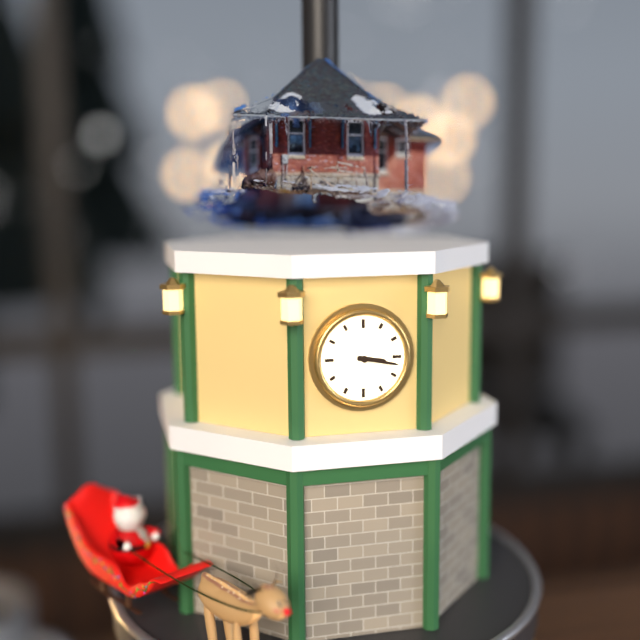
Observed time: 3:17
